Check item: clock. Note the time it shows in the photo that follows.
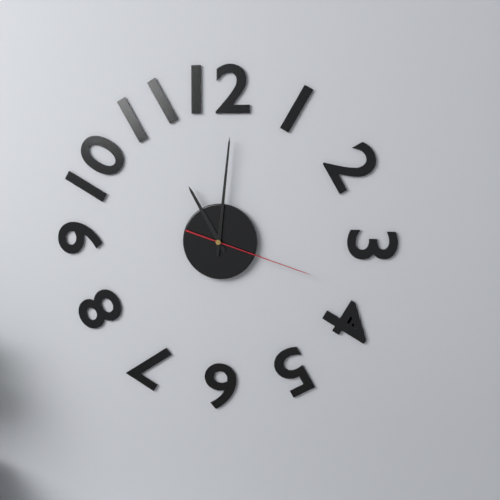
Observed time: 11:01:18
